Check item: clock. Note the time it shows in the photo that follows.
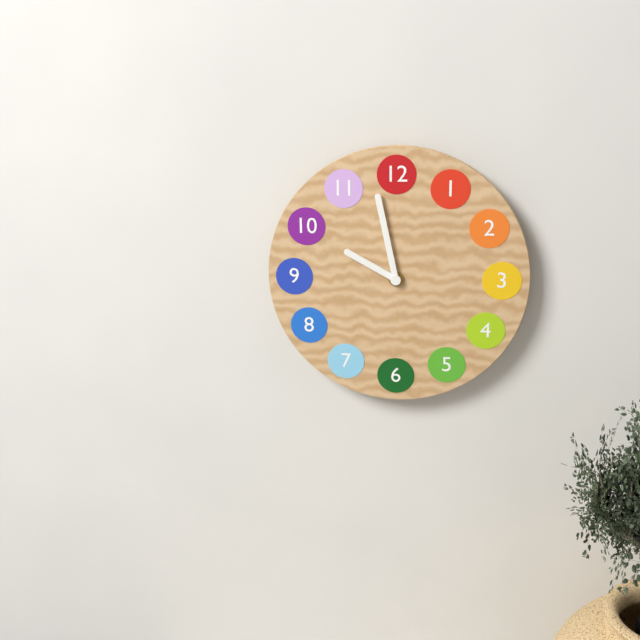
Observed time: 9:58
